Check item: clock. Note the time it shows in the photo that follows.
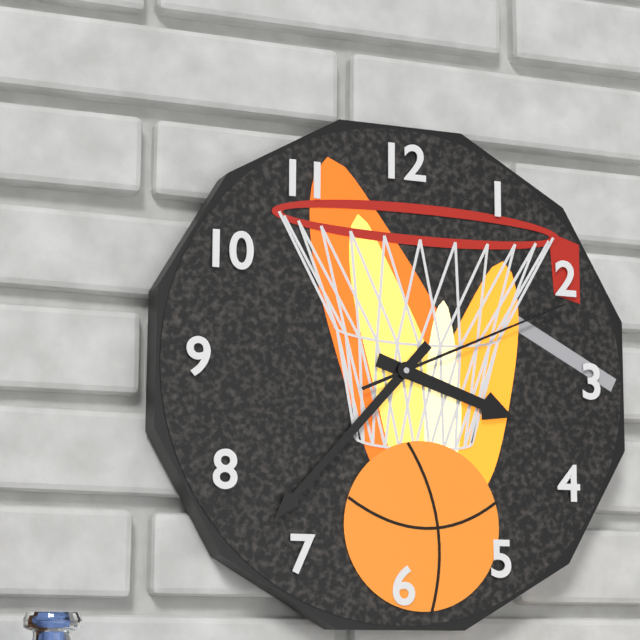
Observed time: 3:37:11
